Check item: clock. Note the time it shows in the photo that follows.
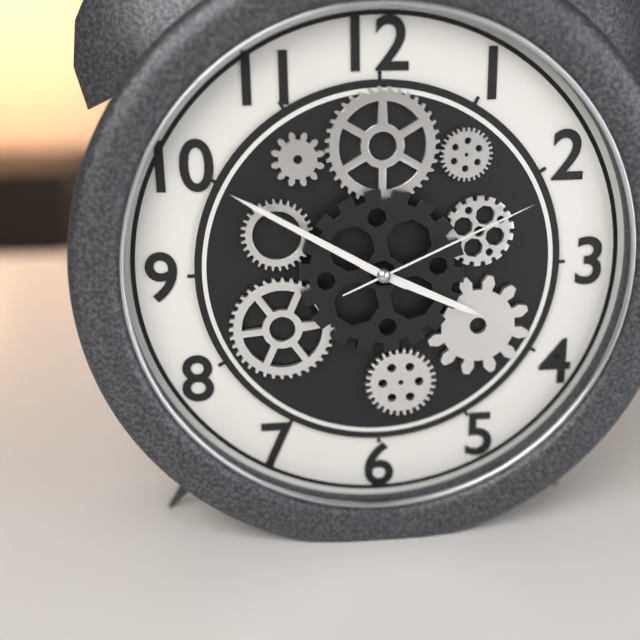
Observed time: 3:50:11
